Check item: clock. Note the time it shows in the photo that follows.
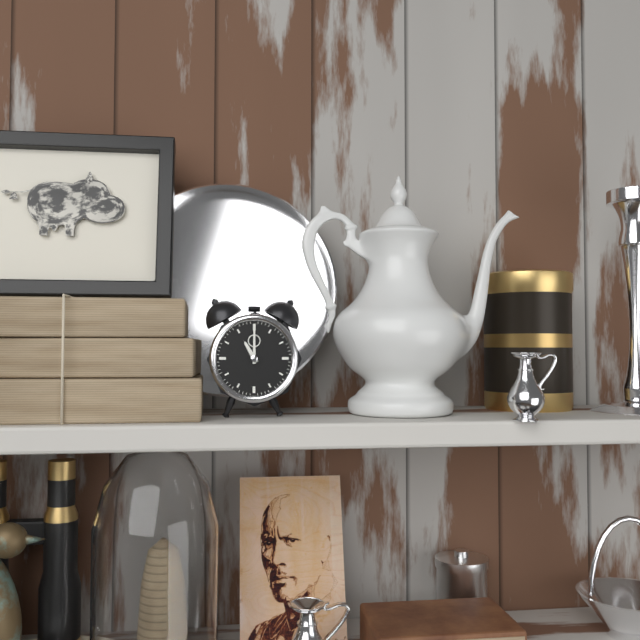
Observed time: 11:00
